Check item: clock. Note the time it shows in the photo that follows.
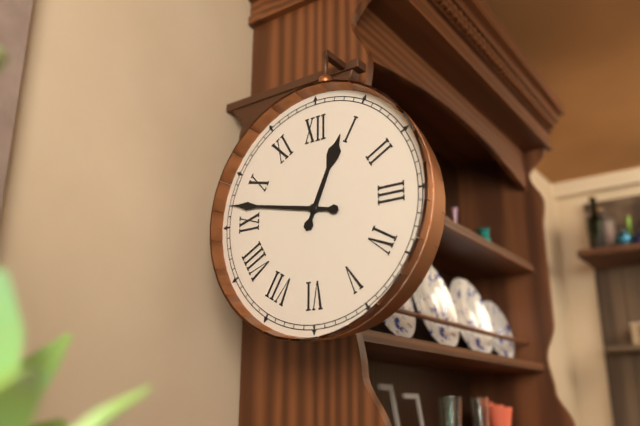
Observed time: 12:47
